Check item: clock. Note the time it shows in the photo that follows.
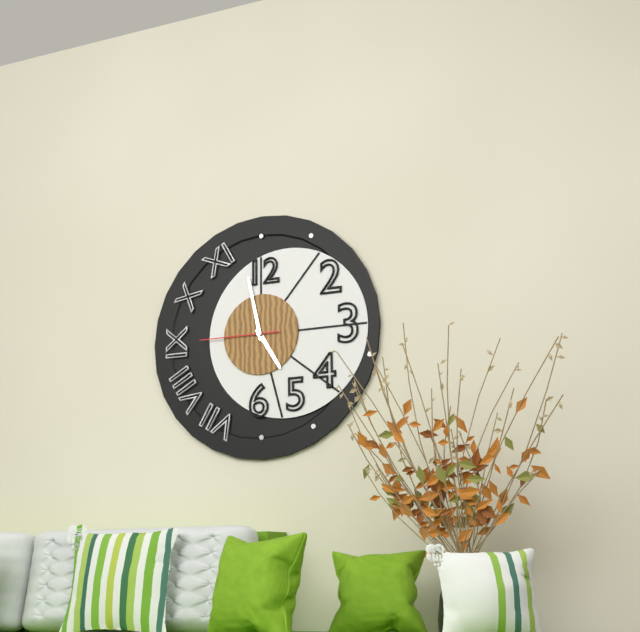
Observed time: 4:58:45
